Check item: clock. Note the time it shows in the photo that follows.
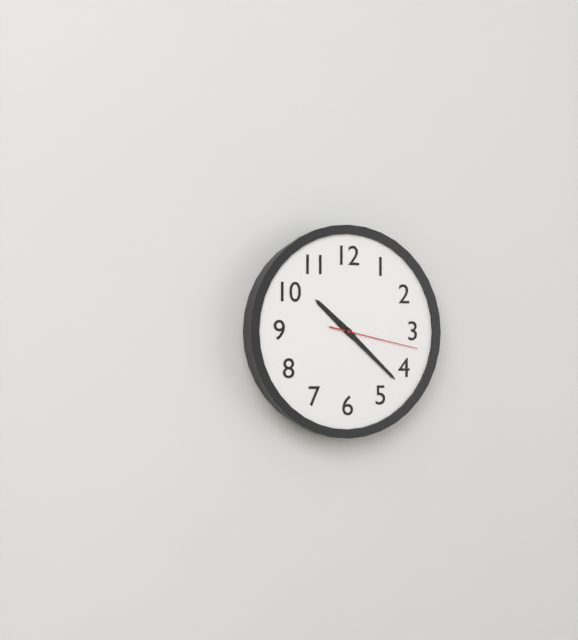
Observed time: 10:22:17
